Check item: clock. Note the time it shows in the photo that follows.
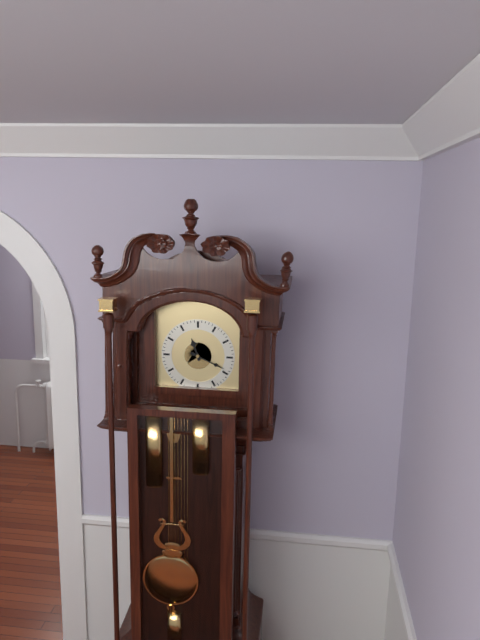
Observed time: 11:19
